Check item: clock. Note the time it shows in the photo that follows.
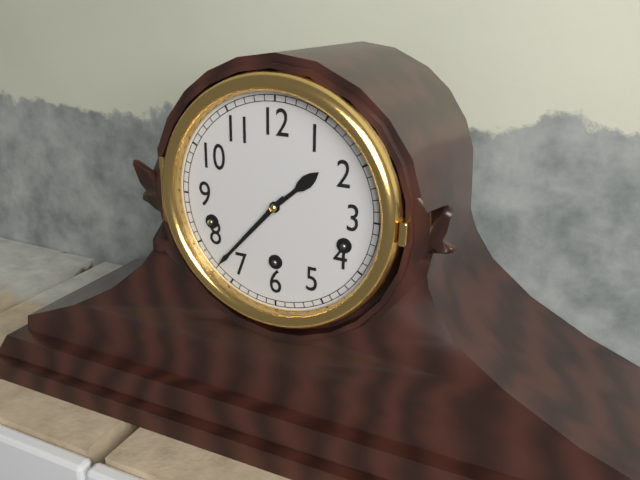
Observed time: 1:37
